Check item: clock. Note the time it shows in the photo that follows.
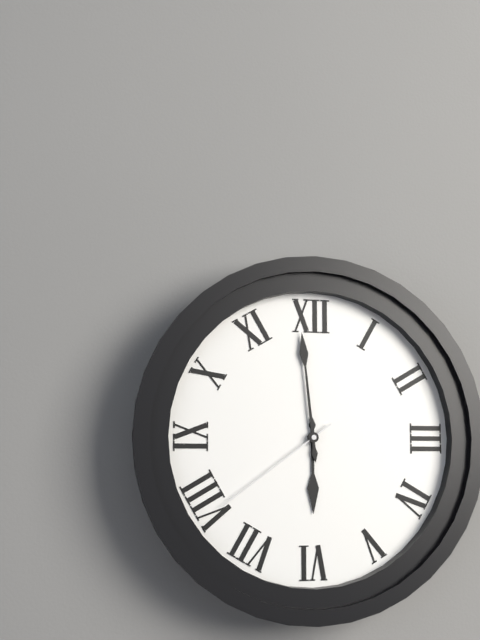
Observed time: 5:59:39
